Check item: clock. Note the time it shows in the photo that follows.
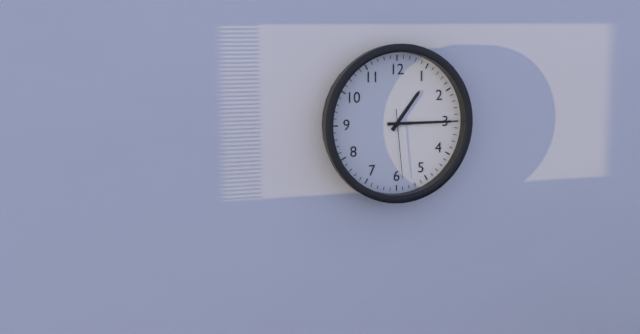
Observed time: 1:15:29
